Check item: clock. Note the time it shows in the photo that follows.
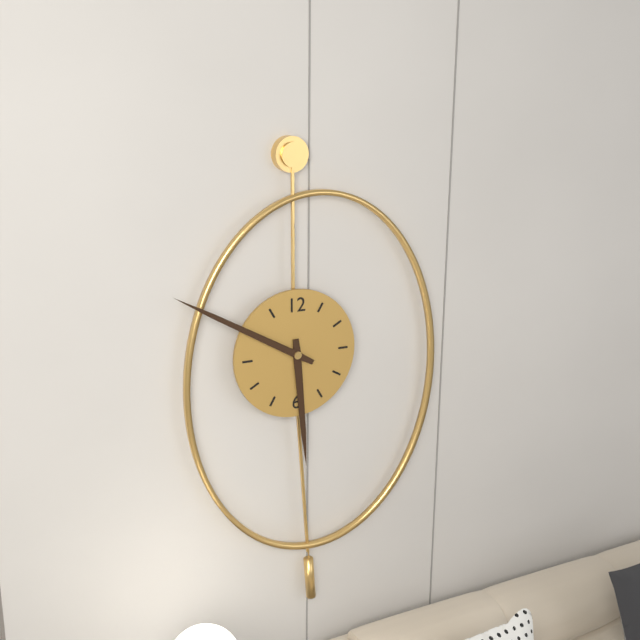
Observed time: 5:50
